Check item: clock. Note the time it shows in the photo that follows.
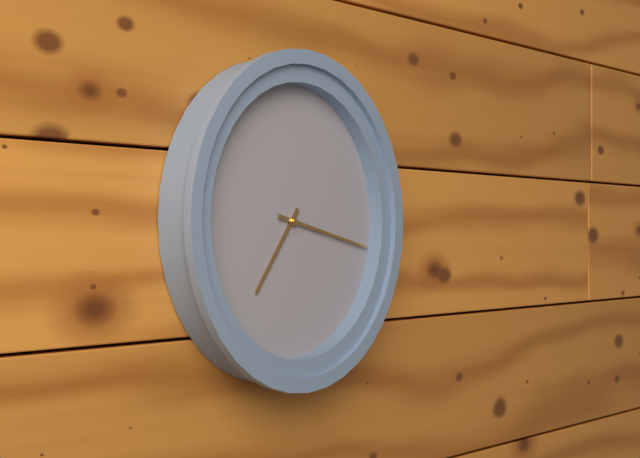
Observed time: 7:17
